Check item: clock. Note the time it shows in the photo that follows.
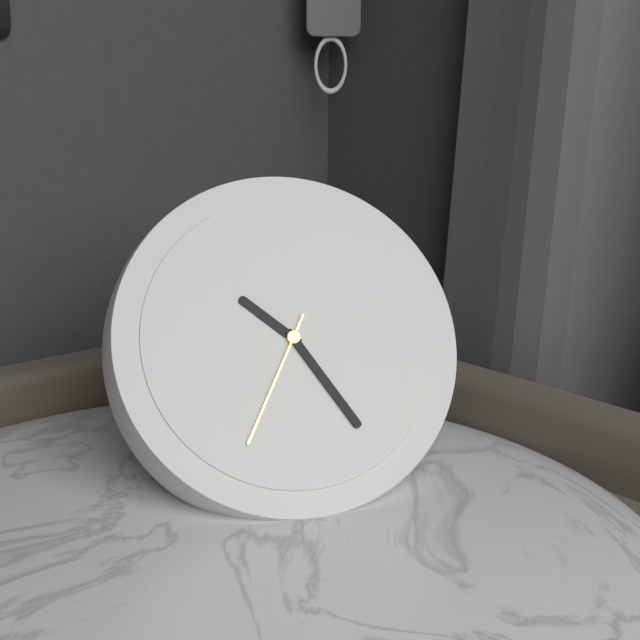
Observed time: 10:25:35
